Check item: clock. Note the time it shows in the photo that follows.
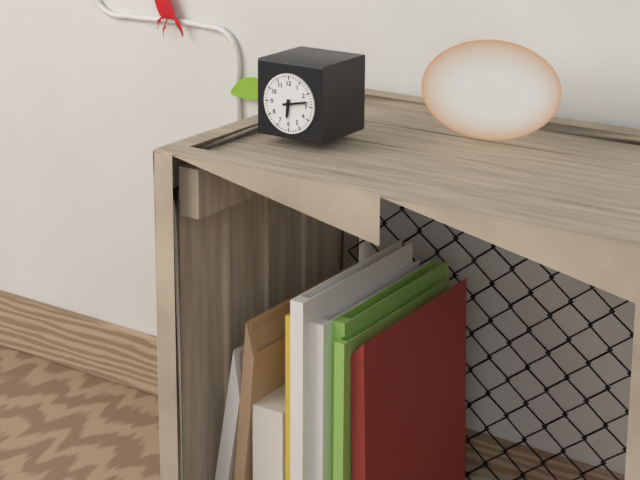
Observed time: 6:13
